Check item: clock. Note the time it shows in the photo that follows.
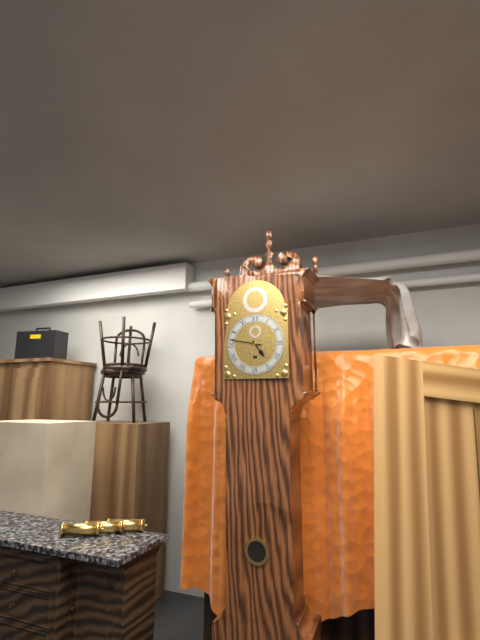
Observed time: 4:47
